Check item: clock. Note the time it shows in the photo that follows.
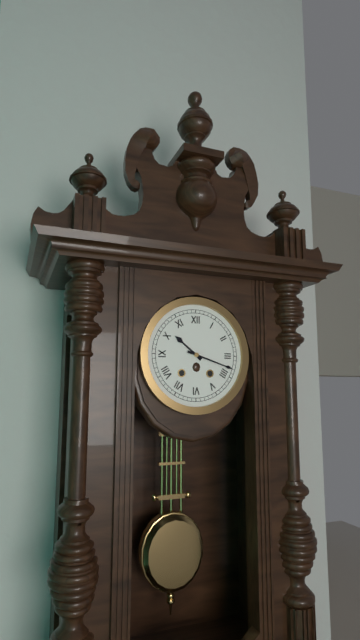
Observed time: 10:18
